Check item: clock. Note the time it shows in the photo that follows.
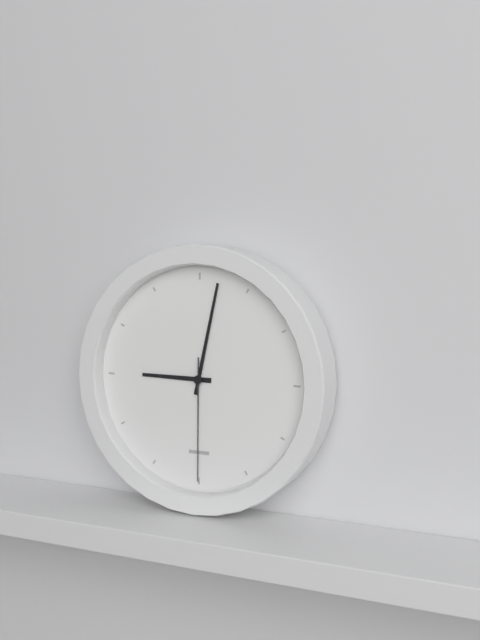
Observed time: 9:02:30
